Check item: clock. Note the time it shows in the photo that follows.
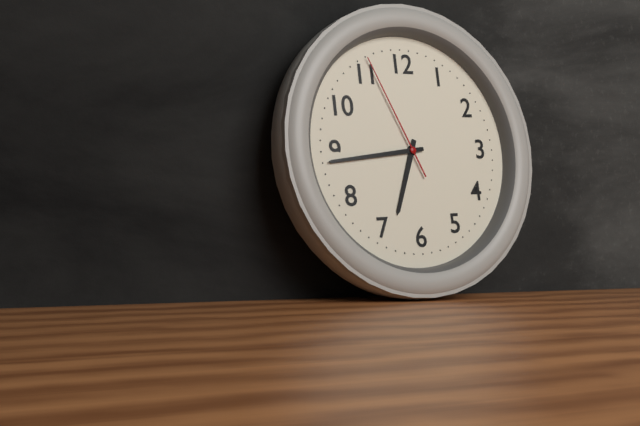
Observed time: 6:44:56
